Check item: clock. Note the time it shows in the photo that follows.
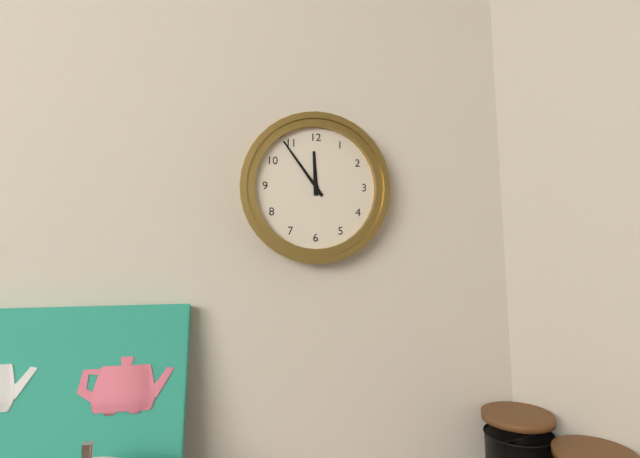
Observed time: 11:54
